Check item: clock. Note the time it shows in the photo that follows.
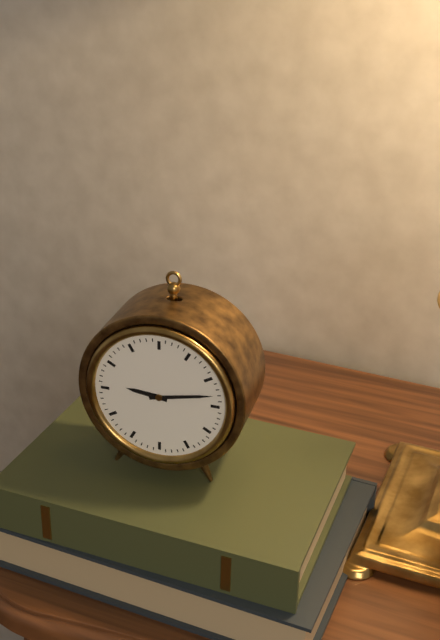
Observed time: 9:13
